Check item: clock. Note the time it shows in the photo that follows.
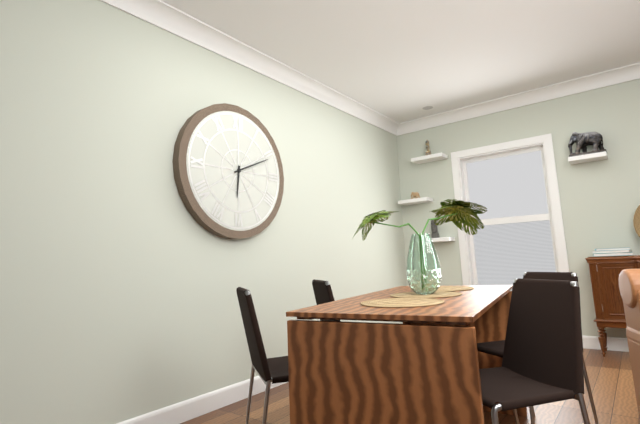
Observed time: 6:11
